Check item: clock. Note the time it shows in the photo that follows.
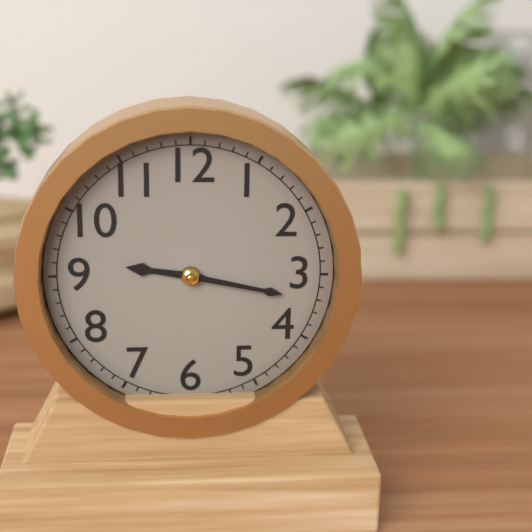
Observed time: 9:17
